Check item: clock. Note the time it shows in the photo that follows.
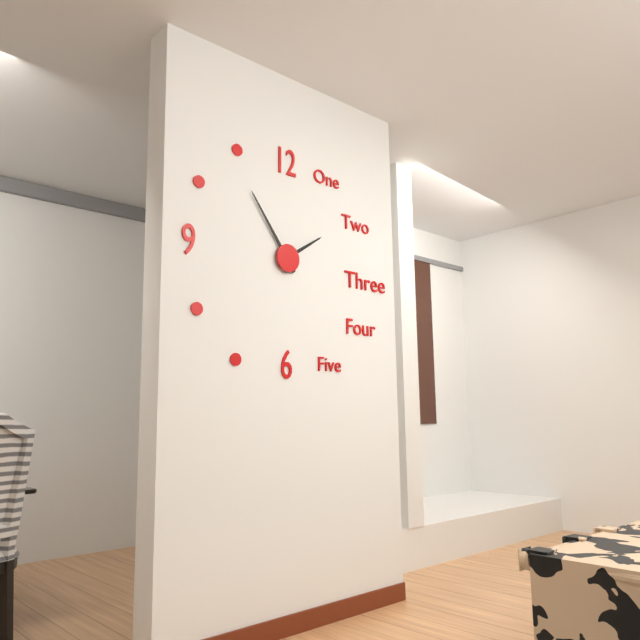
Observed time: 1:54
